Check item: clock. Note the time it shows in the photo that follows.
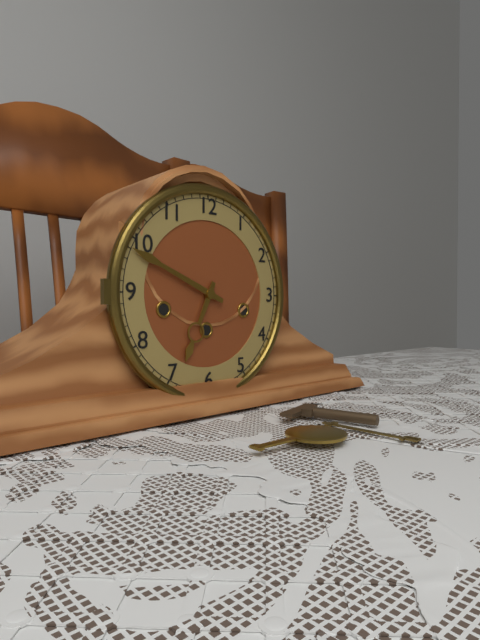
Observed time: 6:49
